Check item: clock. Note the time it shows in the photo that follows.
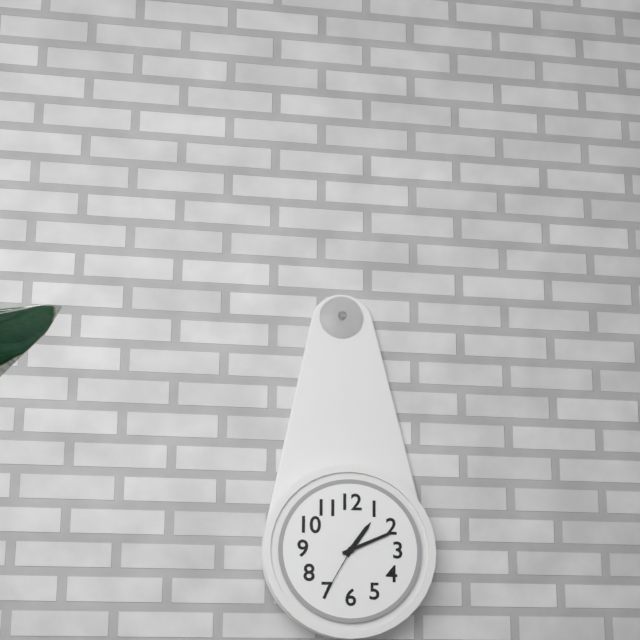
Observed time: 1:11:35
